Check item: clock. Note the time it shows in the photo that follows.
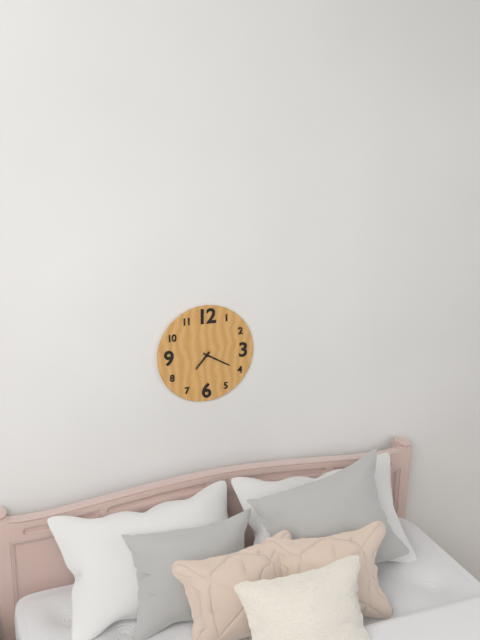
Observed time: 7:20
